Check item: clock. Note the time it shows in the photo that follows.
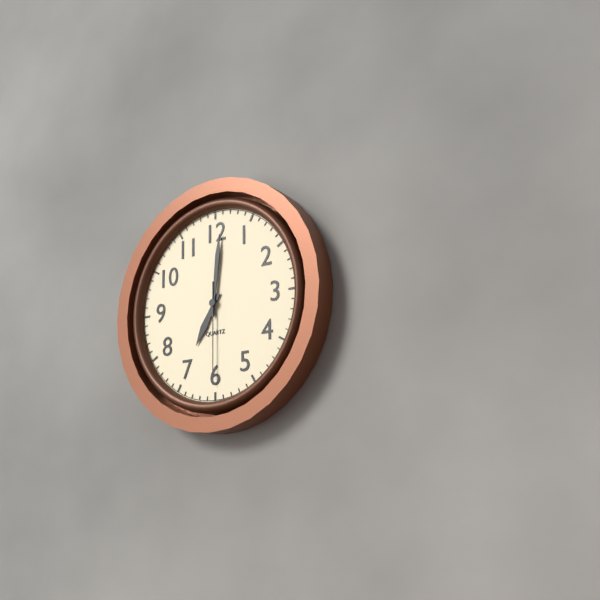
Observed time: 7:01:30
